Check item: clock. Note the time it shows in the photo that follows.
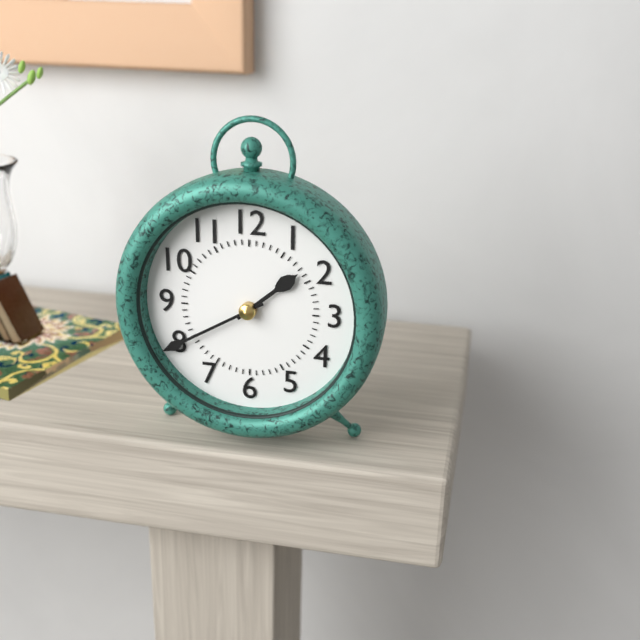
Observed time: 1:40
